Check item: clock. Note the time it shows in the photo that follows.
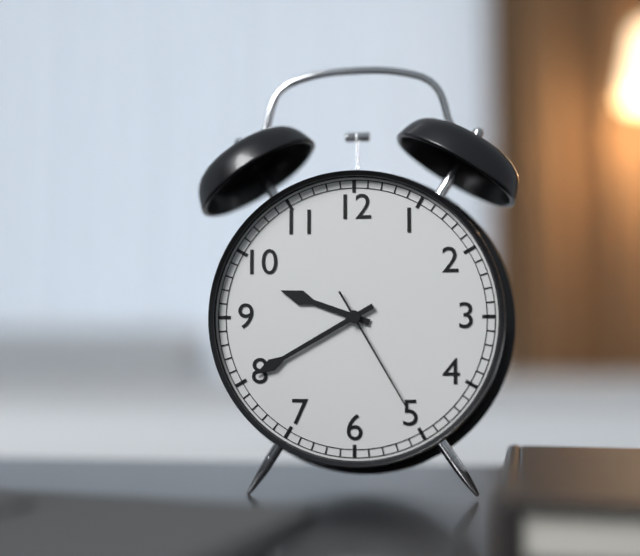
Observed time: 9:40:25
